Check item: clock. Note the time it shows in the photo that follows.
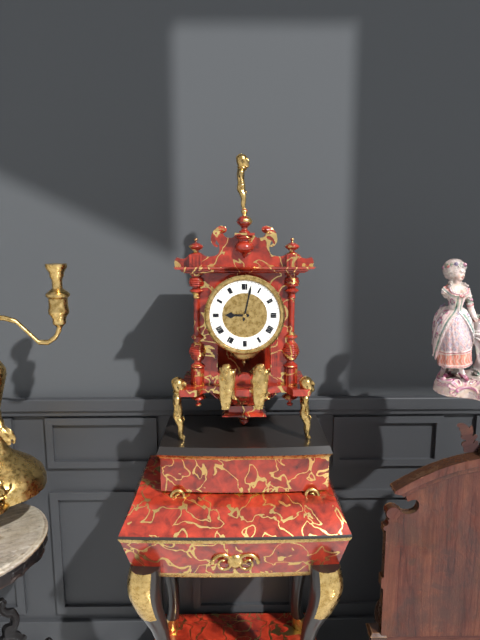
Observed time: 9:02
